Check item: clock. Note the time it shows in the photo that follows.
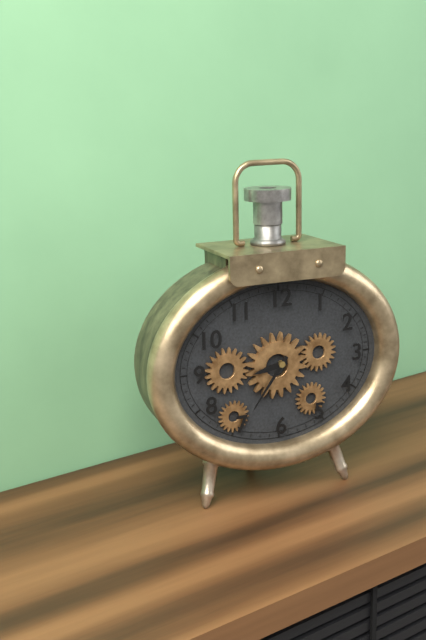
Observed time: 8:36
